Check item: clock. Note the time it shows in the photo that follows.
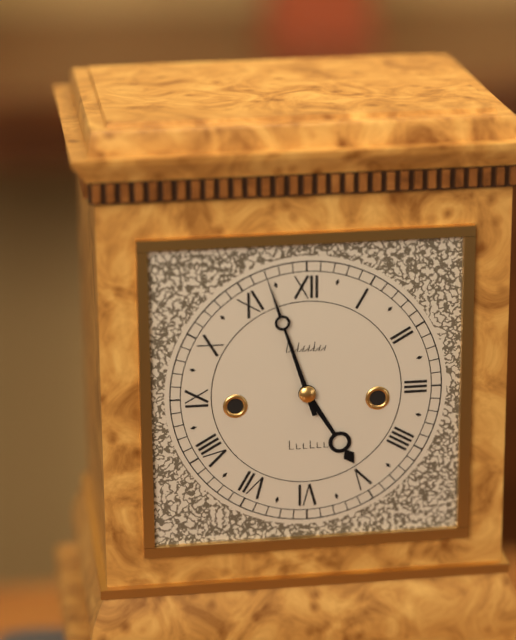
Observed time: 4:57
